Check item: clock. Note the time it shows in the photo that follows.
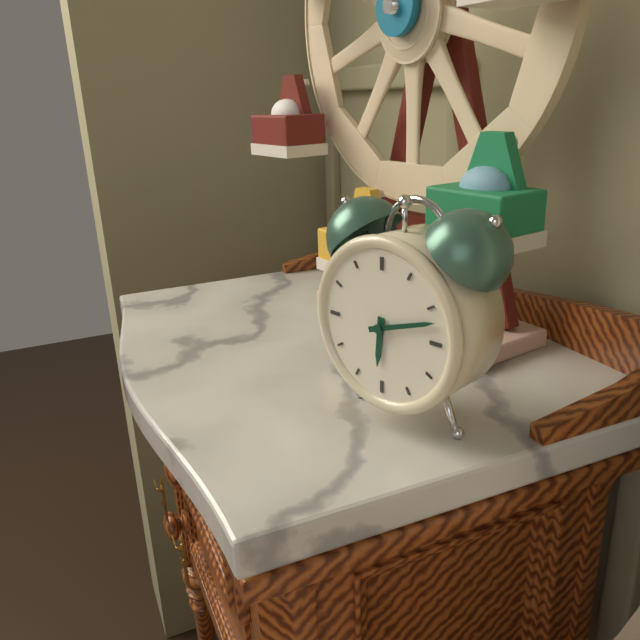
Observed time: 6:12
